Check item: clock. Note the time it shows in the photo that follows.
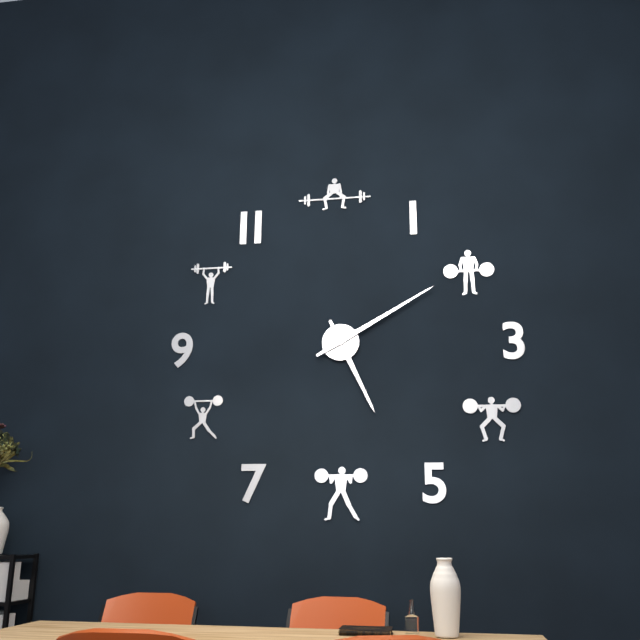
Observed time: 5:10
